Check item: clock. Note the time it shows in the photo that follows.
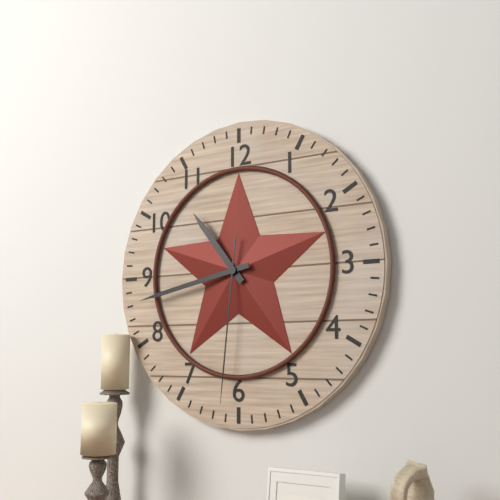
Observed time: 10:43:31
